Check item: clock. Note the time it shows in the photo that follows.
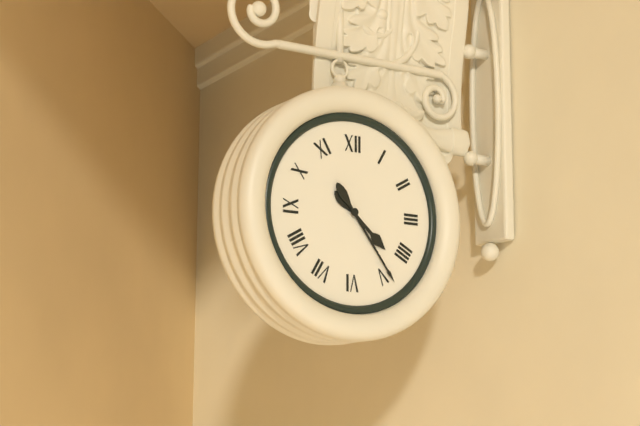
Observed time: 4:24
